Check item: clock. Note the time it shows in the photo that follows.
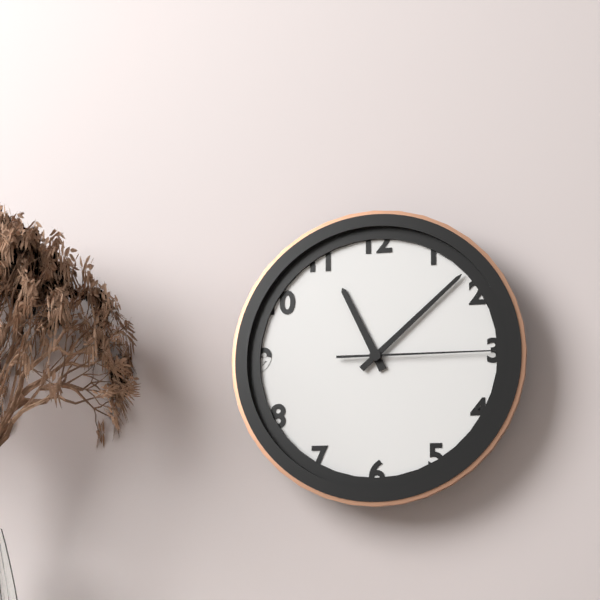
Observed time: 11:08:15
